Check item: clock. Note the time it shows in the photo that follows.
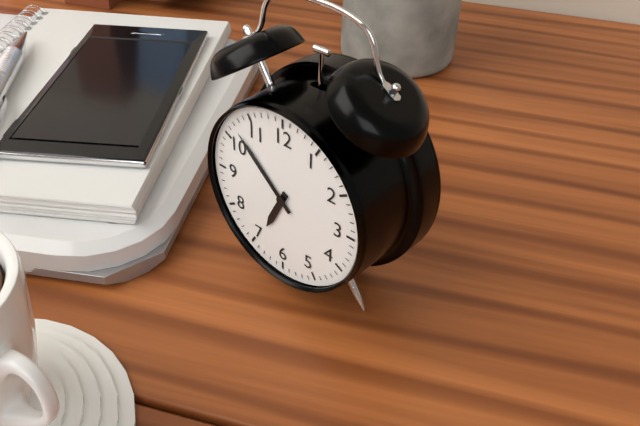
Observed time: 6:52
